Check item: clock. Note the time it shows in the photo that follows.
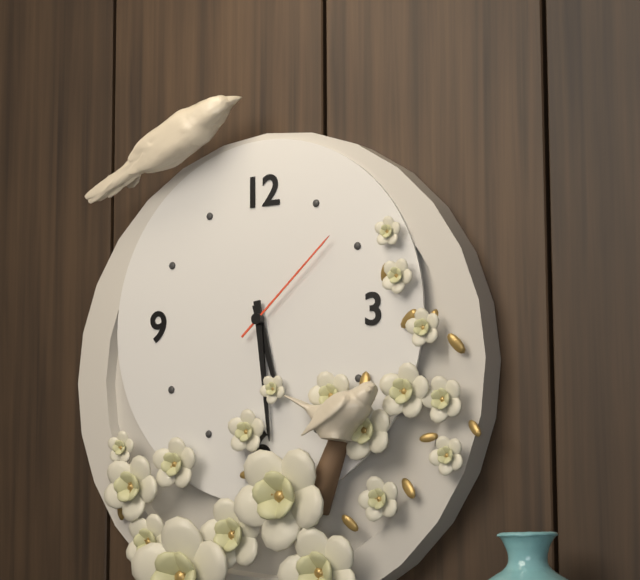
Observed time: 5:29:08
